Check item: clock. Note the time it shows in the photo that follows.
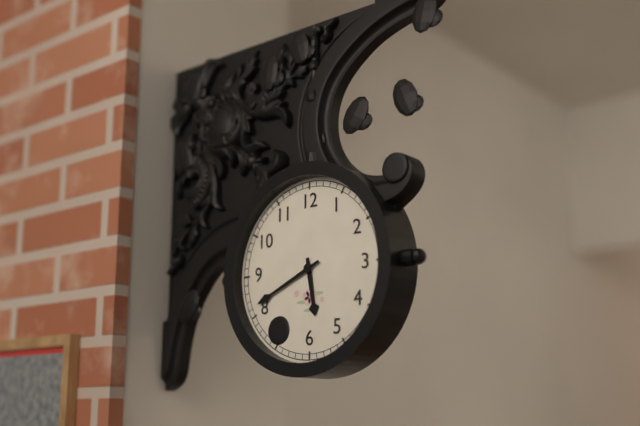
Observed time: 5:41
